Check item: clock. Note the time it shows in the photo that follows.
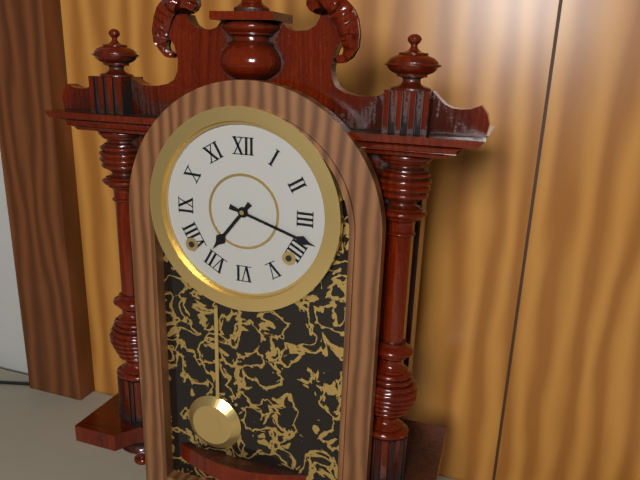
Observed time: 7:18
